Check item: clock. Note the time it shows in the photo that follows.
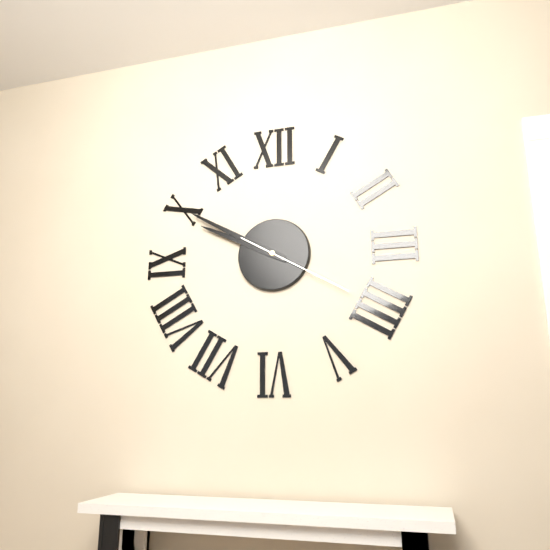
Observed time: 9:50:20
